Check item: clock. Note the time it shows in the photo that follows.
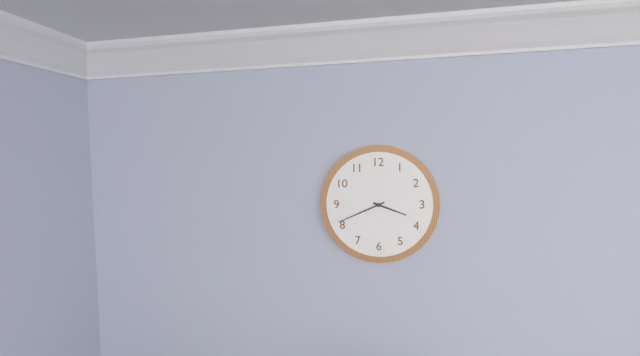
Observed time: 3:41
